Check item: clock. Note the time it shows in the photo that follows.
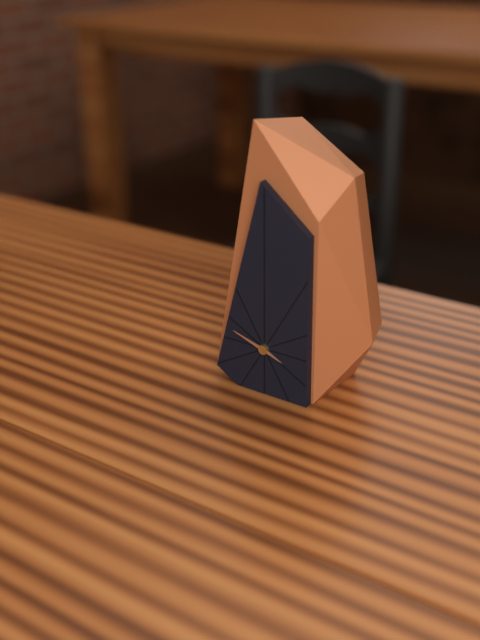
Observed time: 3:48
